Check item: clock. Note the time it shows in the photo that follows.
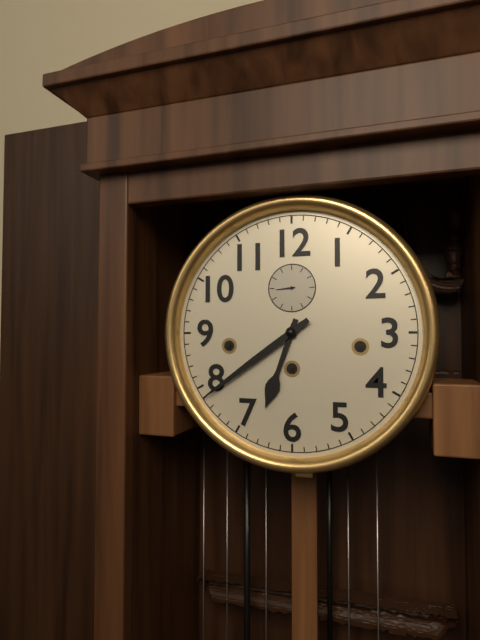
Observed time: 6:39
